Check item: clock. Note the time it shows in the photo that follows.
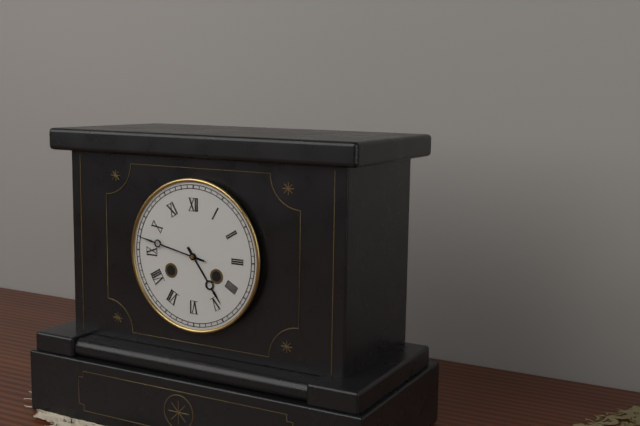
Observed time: 4:47
